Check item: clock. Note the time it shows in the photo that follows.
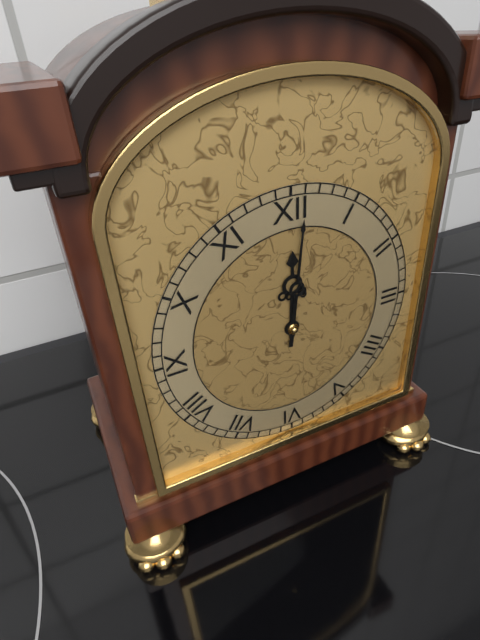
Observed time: 12:01
